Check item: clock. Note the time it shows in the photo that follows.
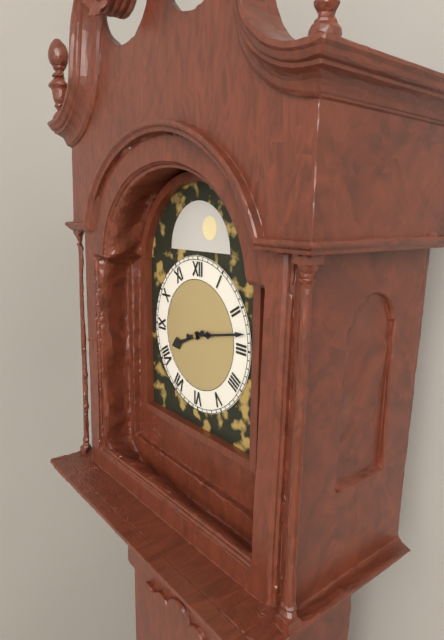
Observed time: 8:13
